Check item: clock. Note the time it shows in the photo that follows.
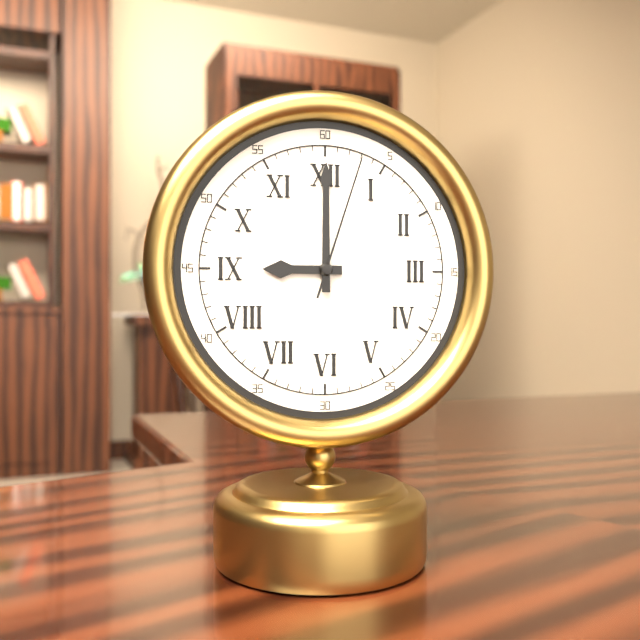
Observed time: 9:00:03
